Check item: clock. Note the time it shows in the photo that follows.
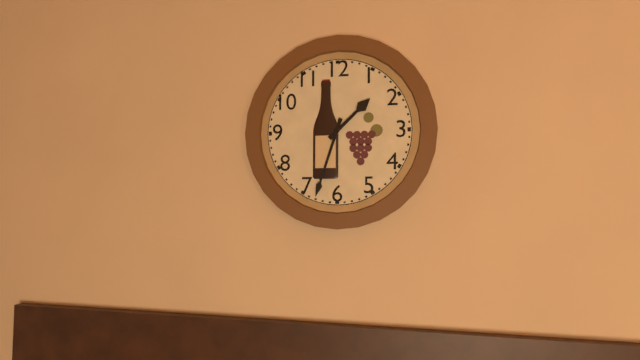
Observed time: 1:33
